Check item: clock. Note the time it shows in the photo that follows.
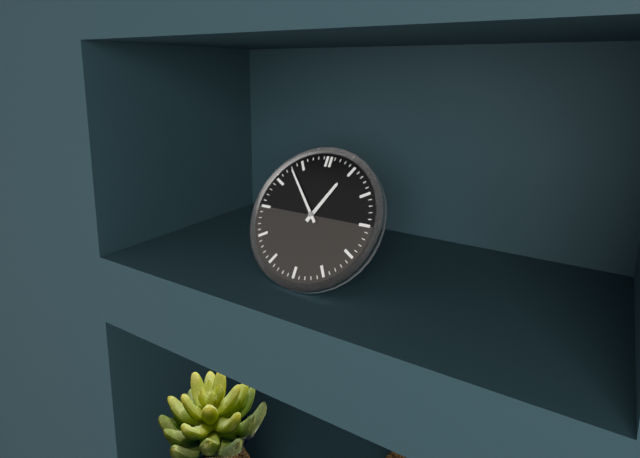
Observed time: 12:53
